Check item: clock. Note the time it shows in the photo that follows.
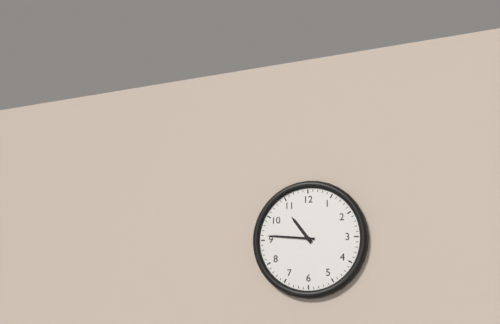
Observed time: 10:46
